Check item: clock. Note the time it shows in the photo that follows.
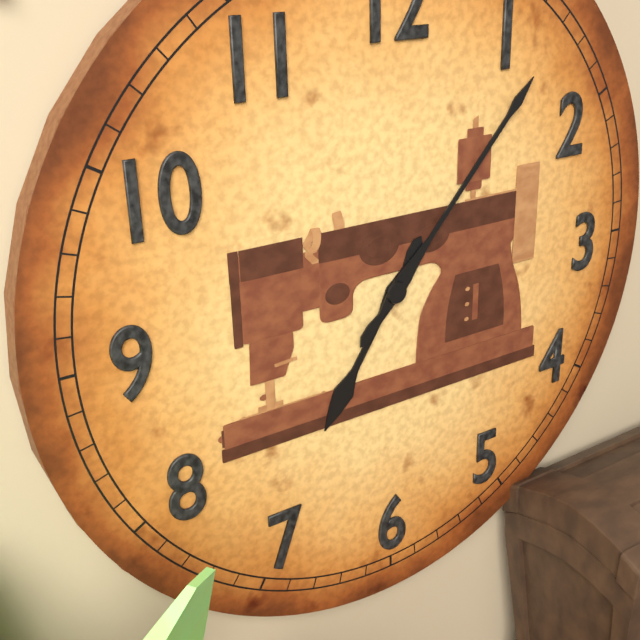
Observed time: 7:07
